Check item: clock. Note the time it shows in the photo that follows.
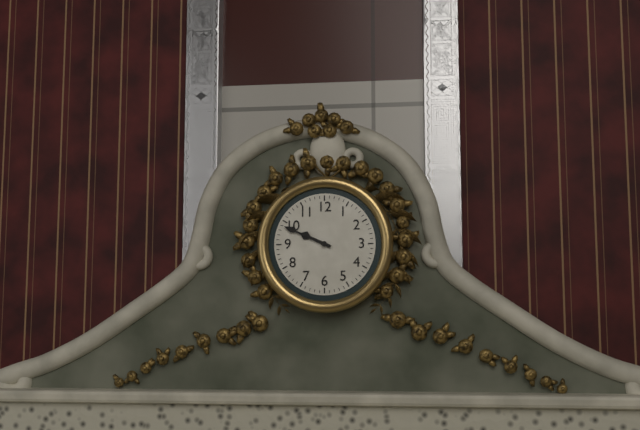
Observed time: 9:49
